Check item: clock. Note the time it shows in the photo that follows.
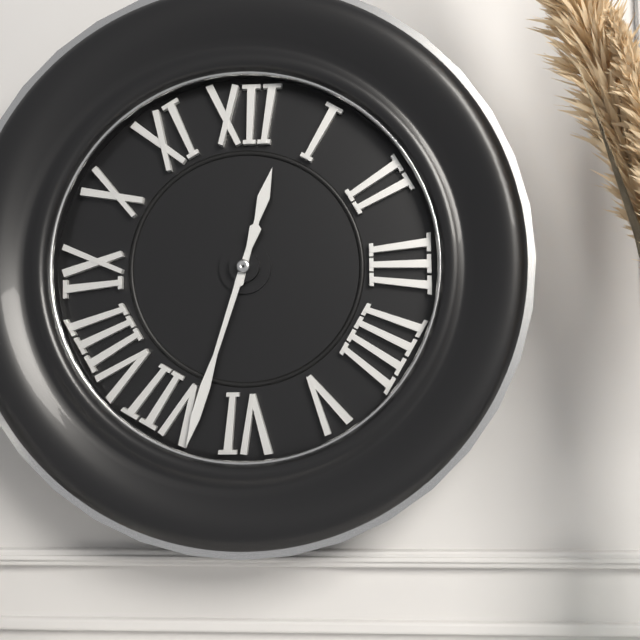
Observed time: 12:33
